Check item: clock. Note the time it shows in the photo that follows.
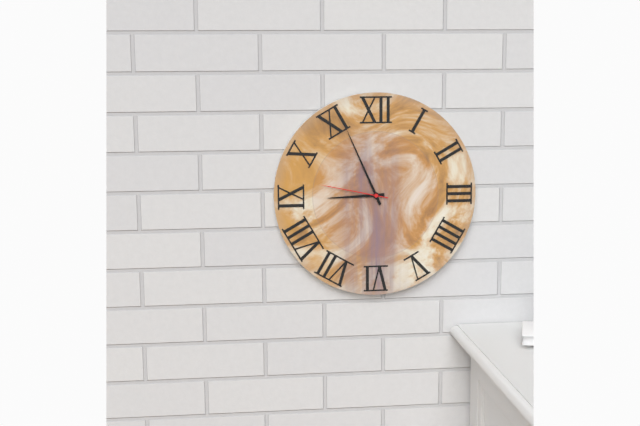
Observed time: 8:56:47
